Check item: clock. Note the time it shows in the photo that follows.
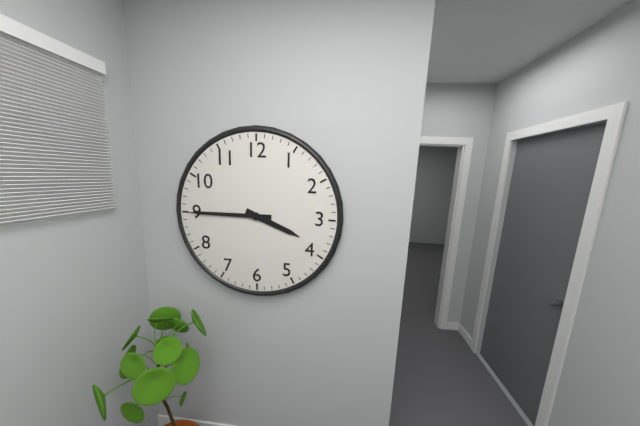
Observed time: 3:45
